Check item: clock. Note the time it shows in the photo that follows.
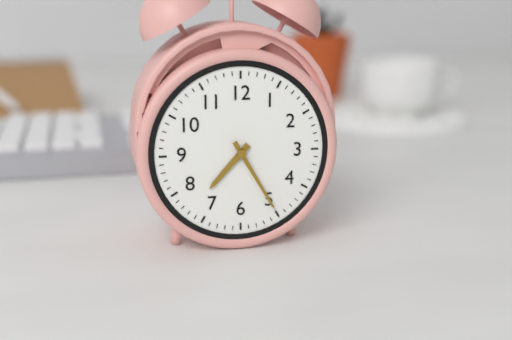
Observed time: 7:25
